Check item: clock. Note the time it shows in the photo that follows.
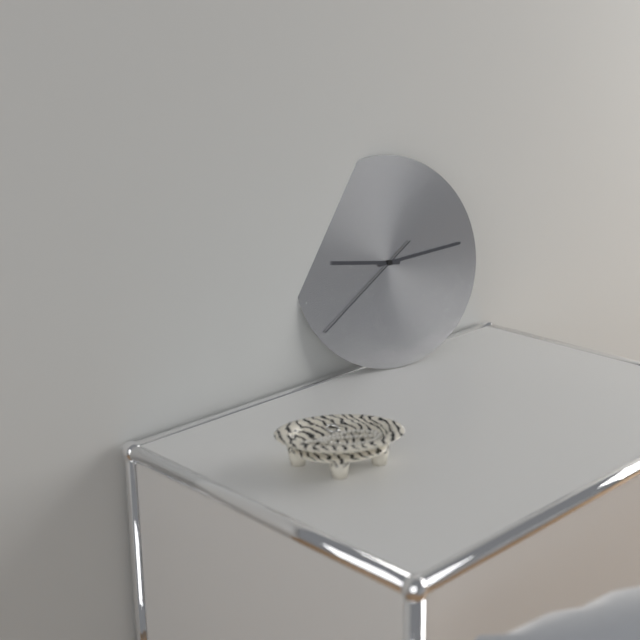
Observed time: 9:14:39
